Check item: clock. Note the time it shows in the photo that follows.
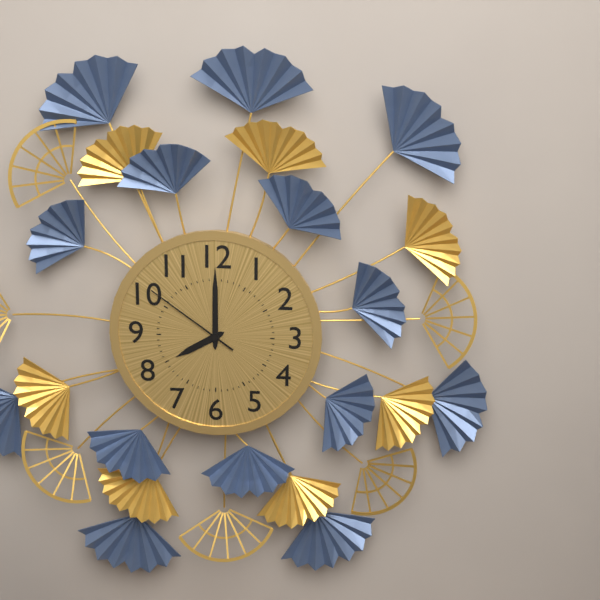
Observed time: 8:00:51
